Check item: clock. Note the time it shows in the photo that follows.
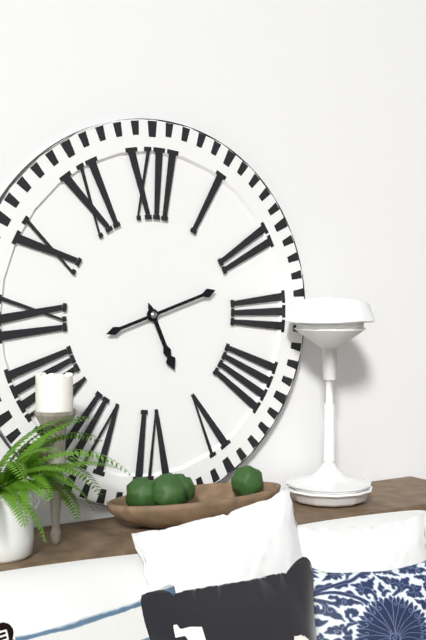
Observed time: 5:12
